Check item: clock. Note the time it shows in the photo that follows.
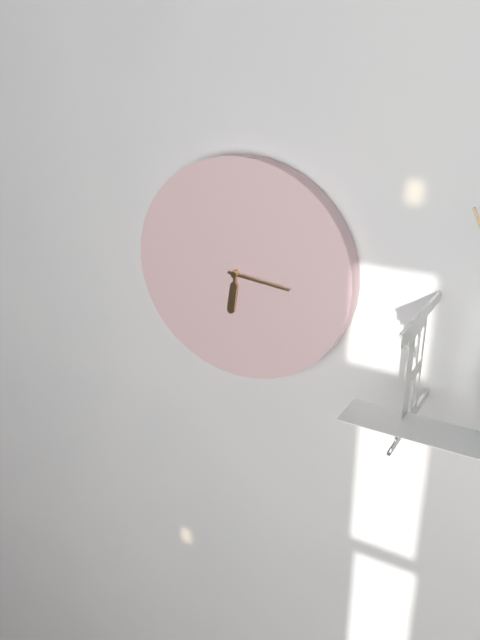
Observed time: 6:16
